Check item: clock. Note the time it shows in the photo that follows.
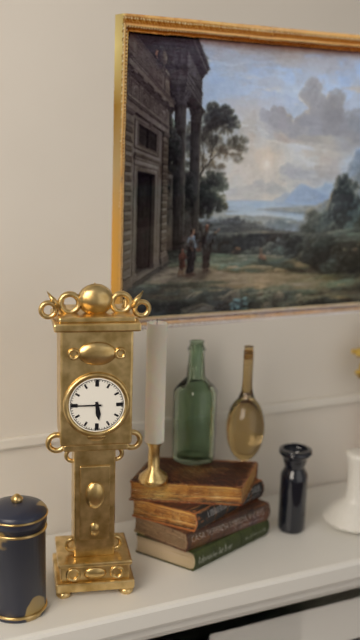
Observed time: 5:45
